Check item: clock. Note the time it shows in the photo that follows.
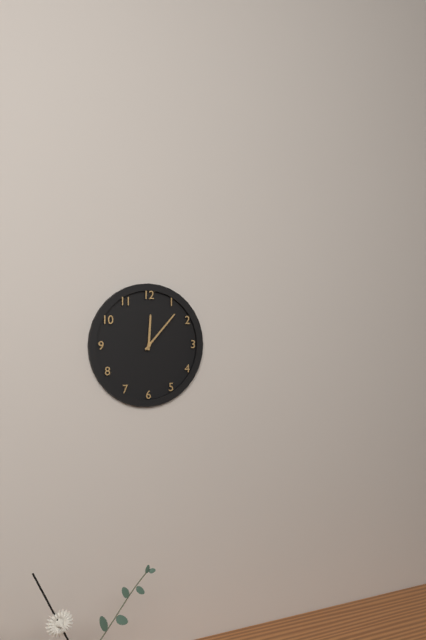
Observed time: 12:07
